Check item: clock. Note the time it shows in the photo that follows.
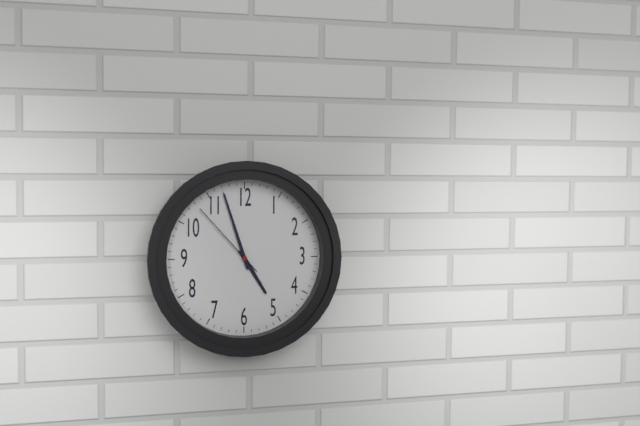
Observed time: 4:57:53
